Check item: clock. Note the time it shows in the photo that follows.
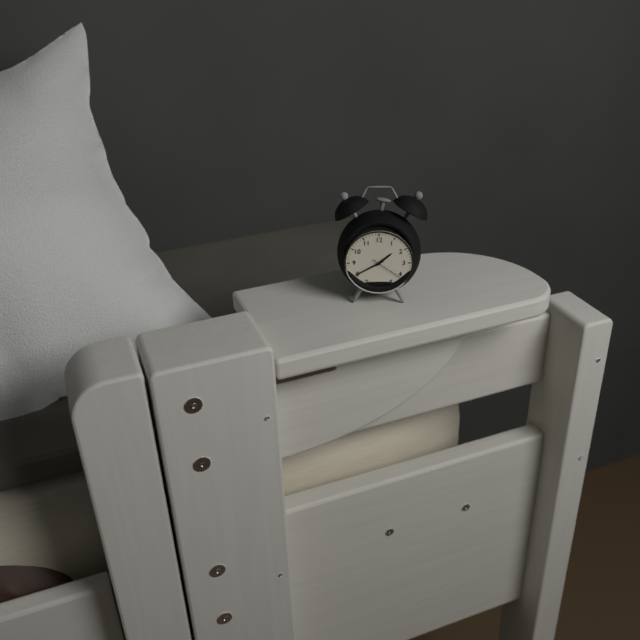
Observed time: 1:40
